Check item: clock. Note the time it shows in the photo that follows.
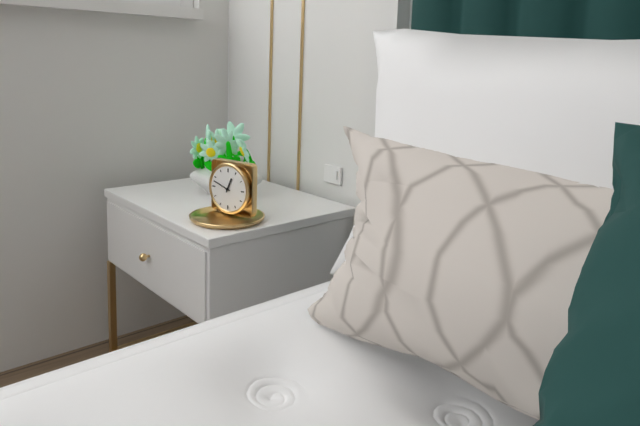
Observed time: 12:48
